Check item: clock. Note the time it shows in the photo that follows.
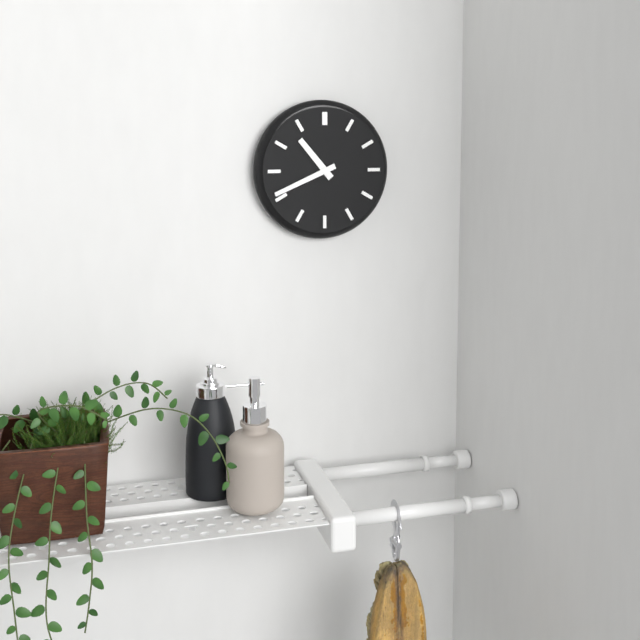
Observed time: 10:41
